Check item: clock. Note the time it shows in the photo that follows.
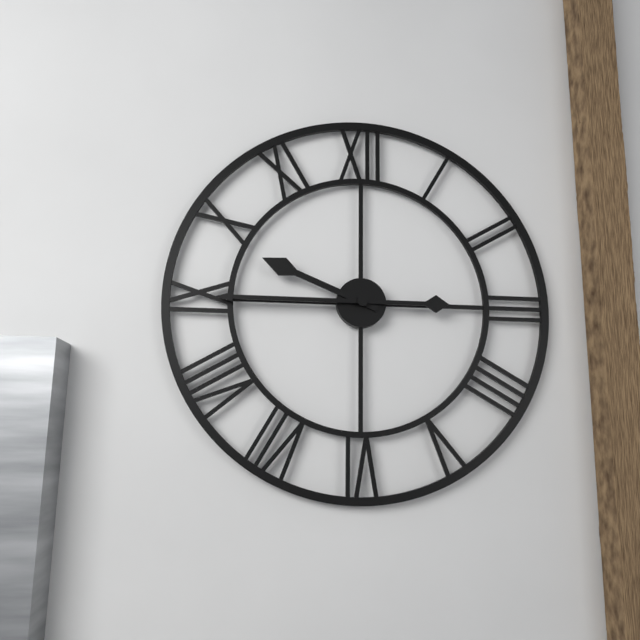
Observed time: 9:45
